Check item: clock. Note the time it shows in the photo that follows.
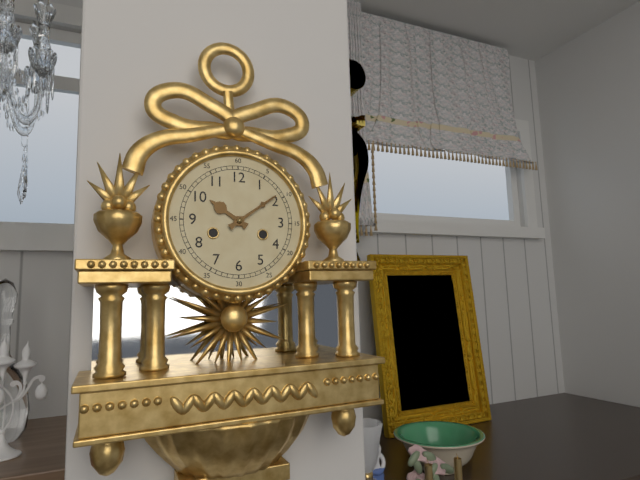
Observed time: 10:09
